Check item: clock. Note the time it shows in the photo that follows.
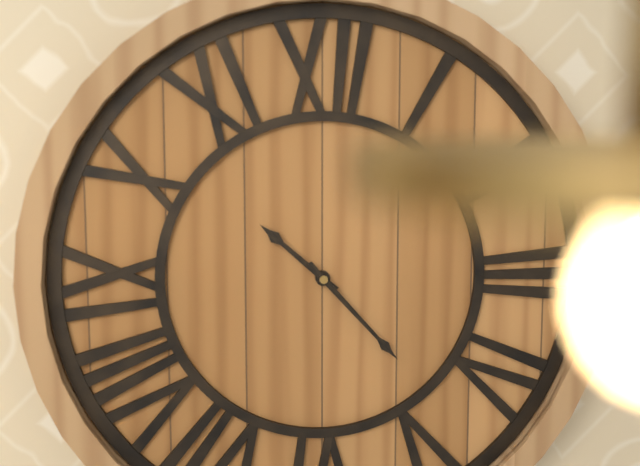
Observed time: 10:23
